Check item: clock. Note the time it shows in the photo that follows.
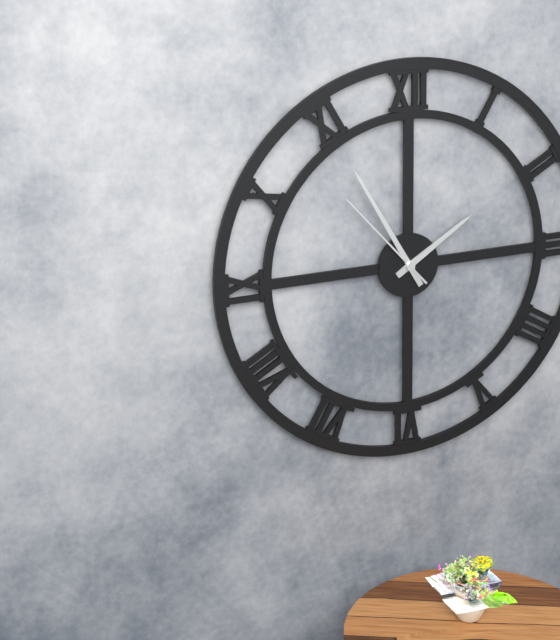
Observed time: 1:55:53
